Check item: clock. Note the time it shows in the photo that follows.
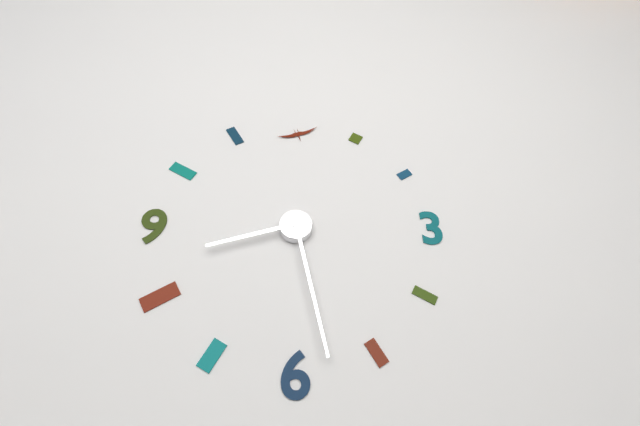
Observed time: 8:28
